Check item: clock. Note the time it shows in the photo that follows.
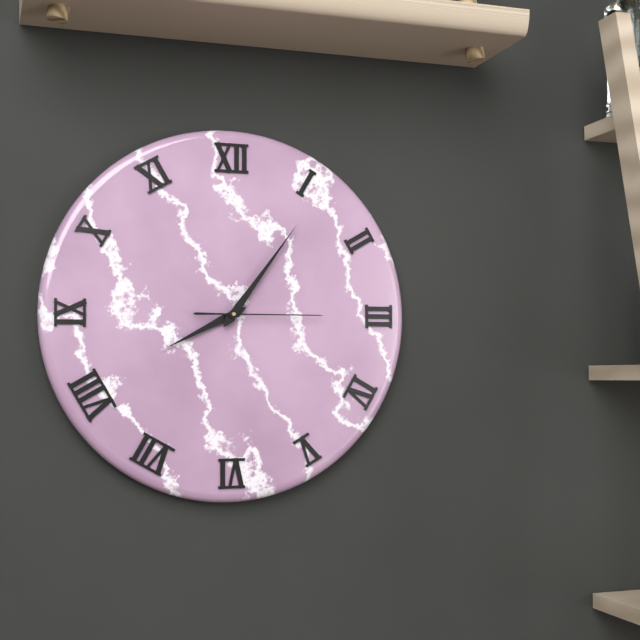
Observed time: 8:06:15
